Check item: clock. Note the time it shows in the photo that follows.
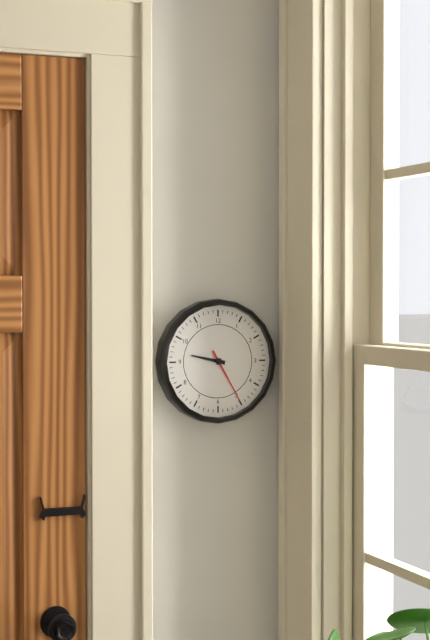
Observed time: 9:25
